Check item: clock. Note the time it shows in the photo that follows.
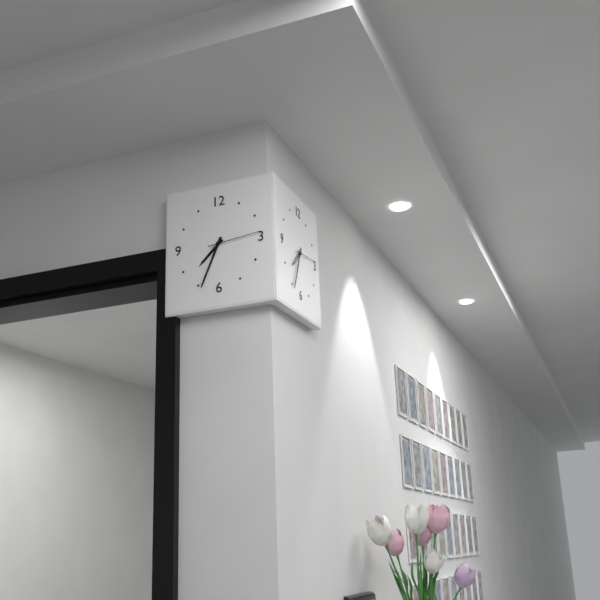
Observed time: 7:34:14
